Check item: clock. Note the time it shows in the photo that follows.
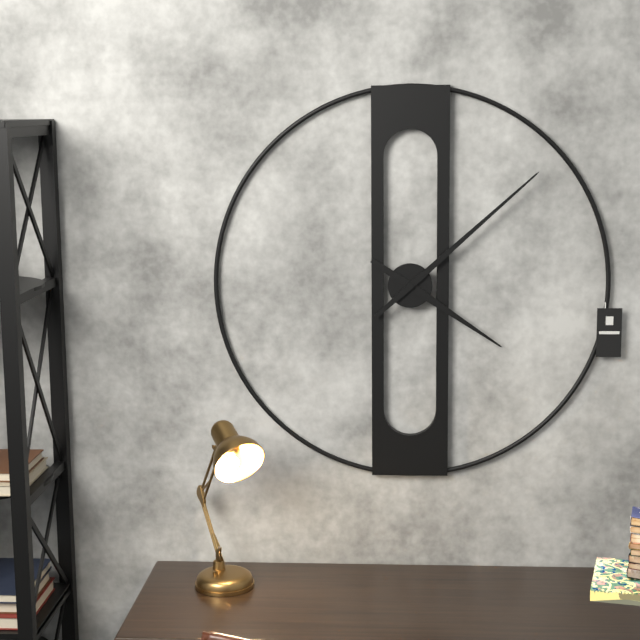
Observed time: 4:08
